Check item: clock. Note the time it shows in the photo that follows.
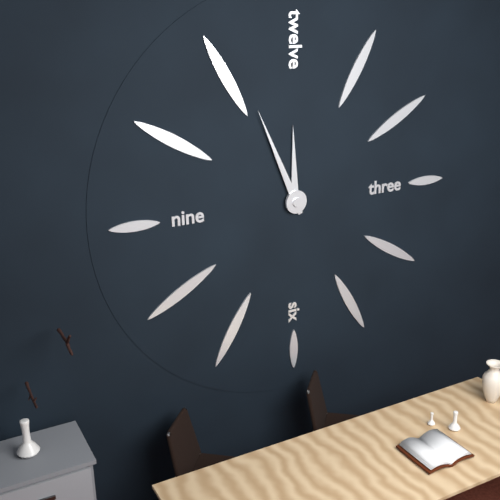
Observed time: 11:56
